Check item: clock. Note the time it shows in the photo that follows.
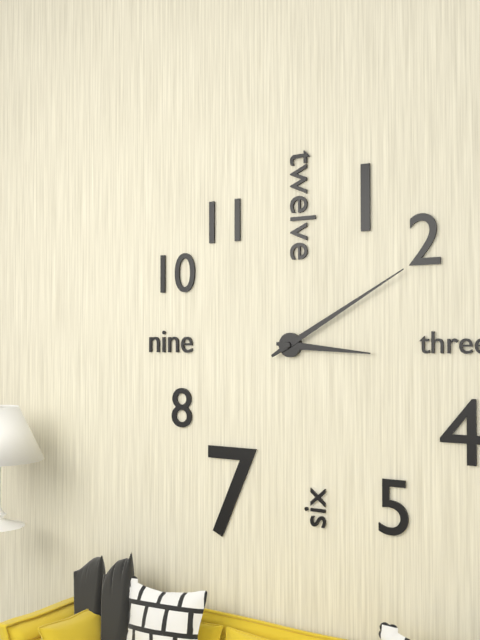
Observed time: 3:10
